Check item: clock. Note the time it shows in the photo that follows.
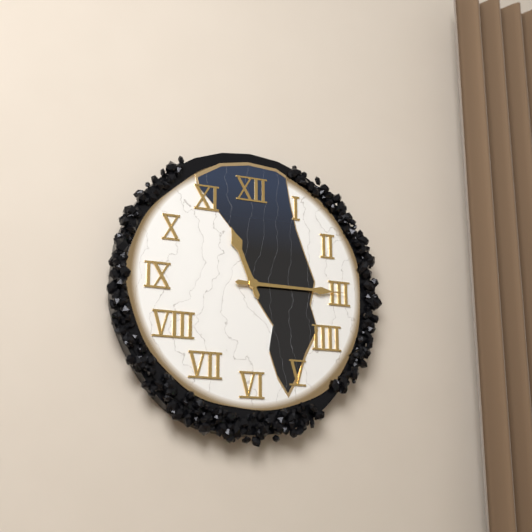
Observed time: 11:15
